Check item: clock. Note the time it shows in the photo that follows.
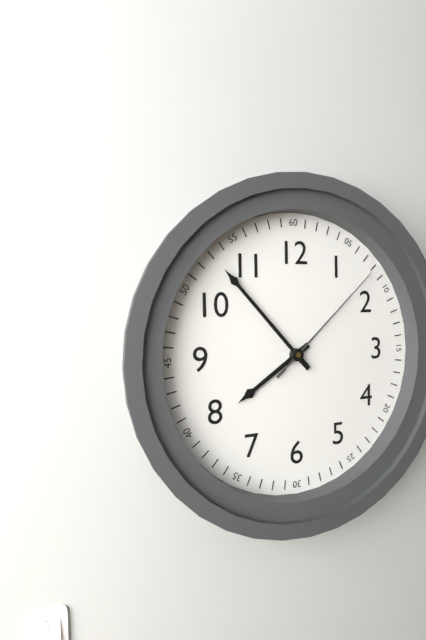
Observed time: 7:53:08
